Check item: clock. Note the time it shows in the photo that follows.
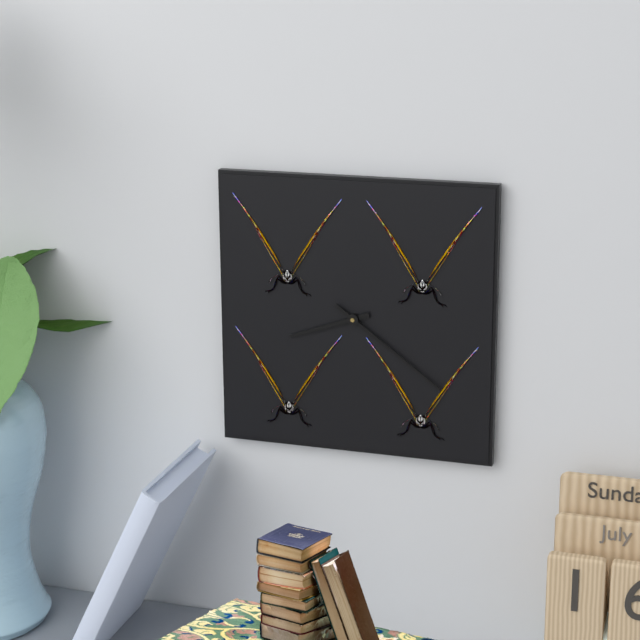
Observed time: 8:21
